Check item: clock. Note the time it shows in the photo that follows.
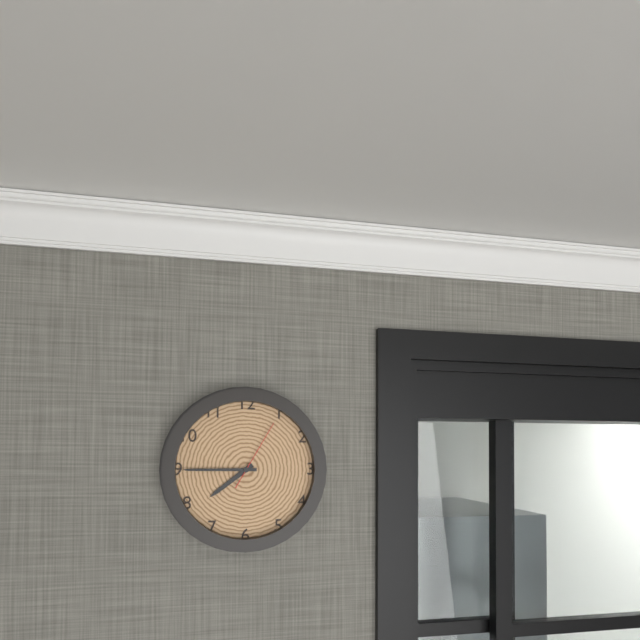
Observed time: 7:45:05
